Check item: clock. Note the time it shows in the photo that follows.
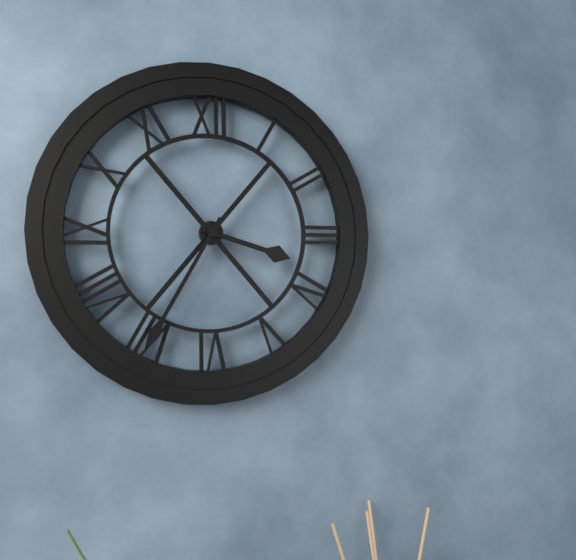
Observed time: 3:35
